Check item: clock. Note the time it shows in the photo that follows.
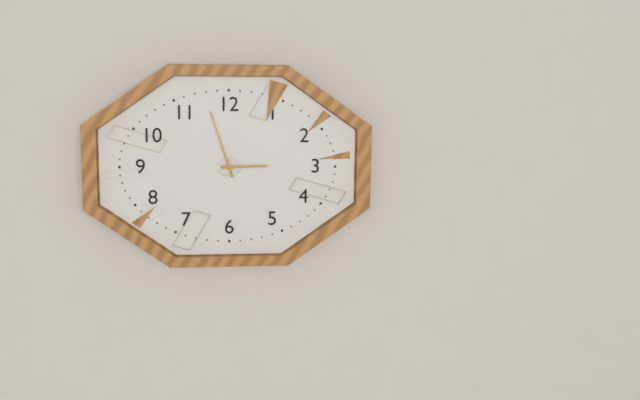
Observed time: 2:57
